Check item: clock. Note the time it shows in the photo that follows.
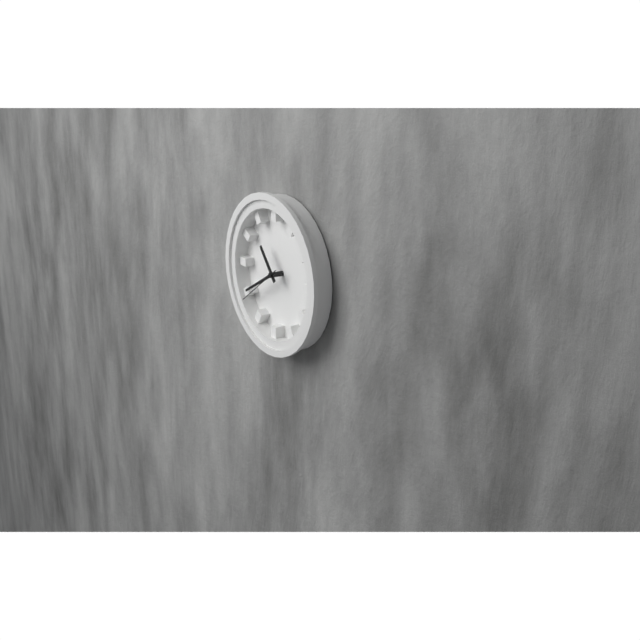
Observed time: 10:40
